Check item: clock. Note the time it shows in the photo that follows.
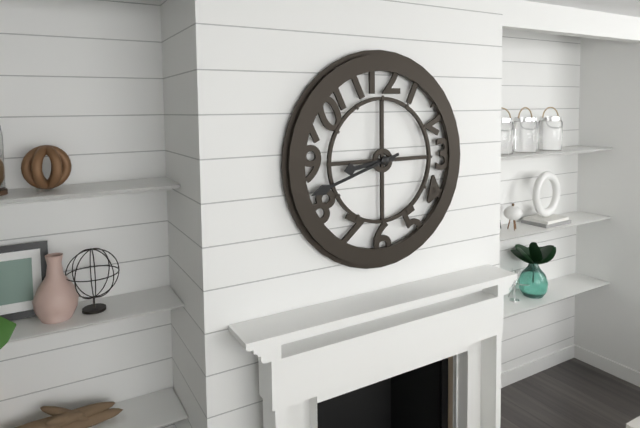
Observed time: 8:42
